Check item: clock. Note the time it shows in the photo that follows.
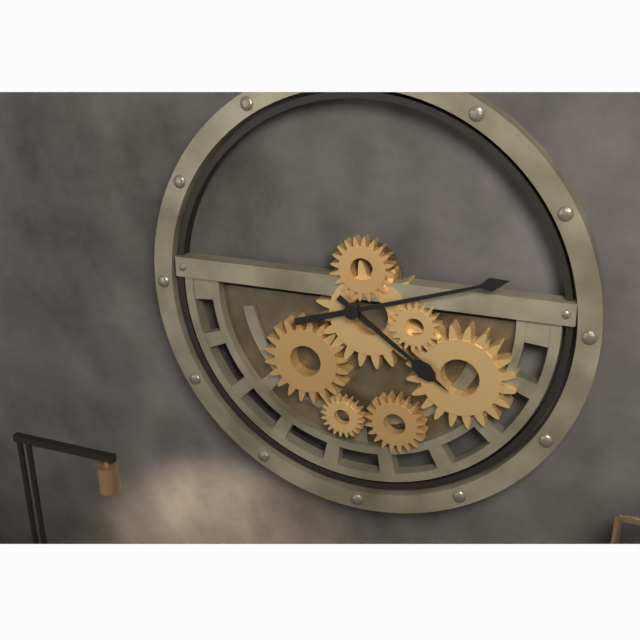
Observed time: 4:12
